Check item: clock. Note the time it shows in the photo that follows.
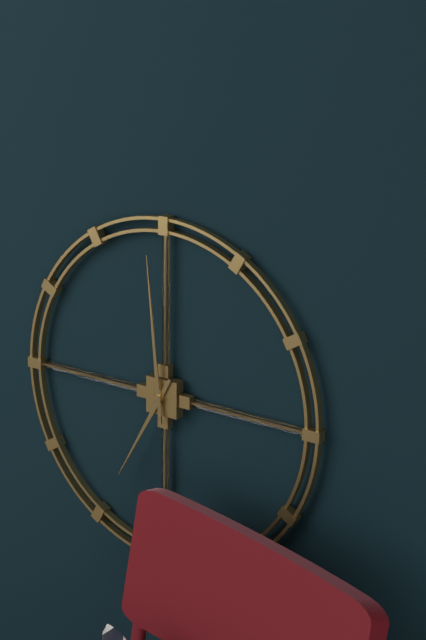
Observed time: 6:59
